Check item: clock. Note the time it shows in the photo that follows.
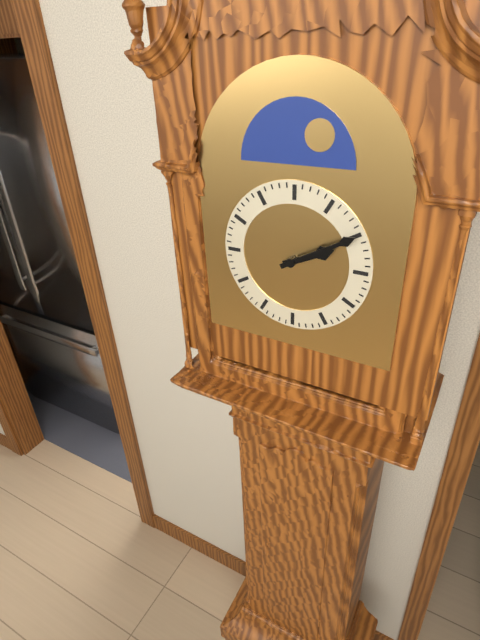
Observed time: 2:10
